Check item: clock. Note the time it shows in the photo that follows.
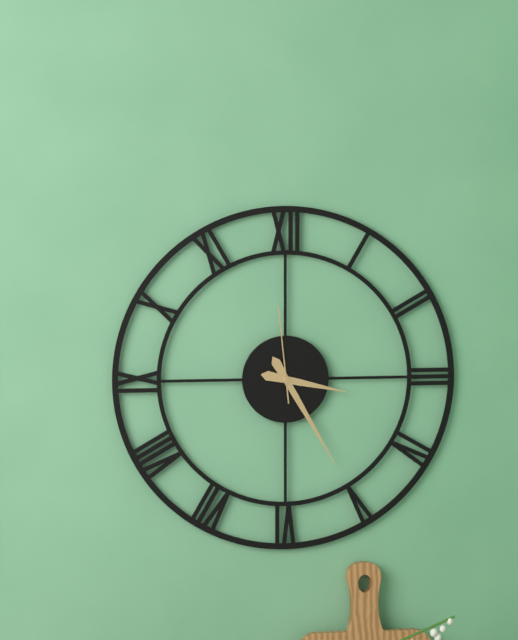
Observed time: 3:25:59
